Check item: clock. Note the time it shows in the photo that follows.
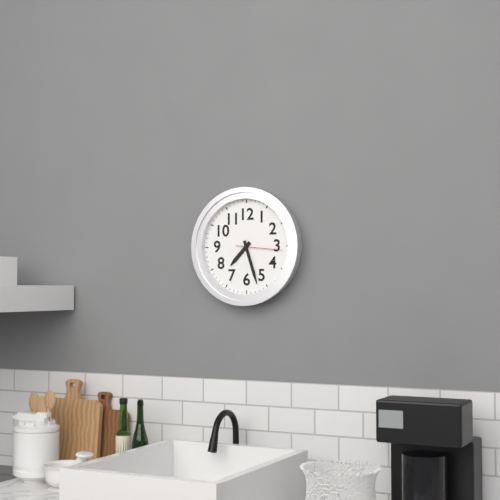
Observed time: 7:27
